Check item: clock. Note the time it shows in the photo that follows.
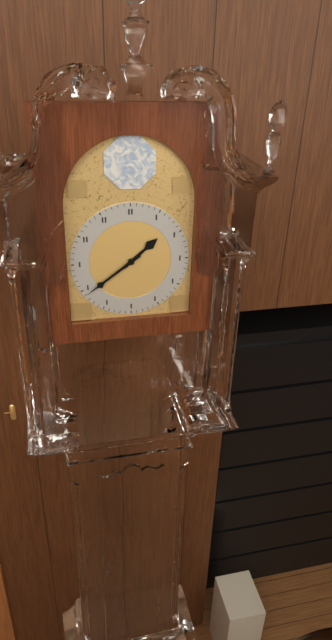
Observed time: 1:39
